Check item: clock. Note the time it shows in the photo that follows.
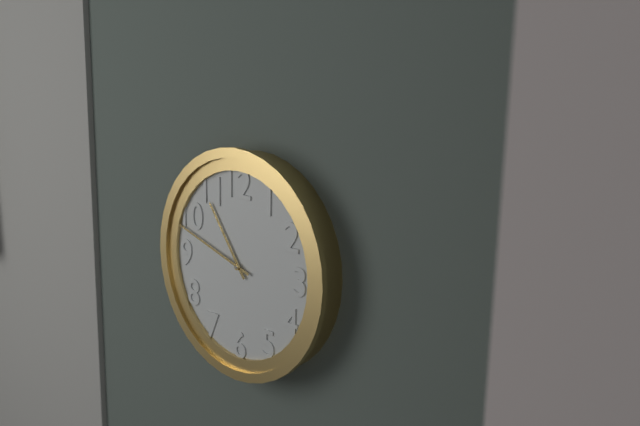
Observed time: 10:48
